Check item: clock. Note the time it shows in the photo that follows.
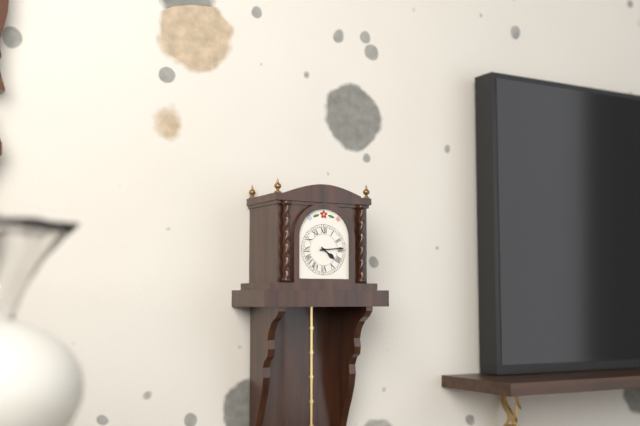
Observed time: 4:14
